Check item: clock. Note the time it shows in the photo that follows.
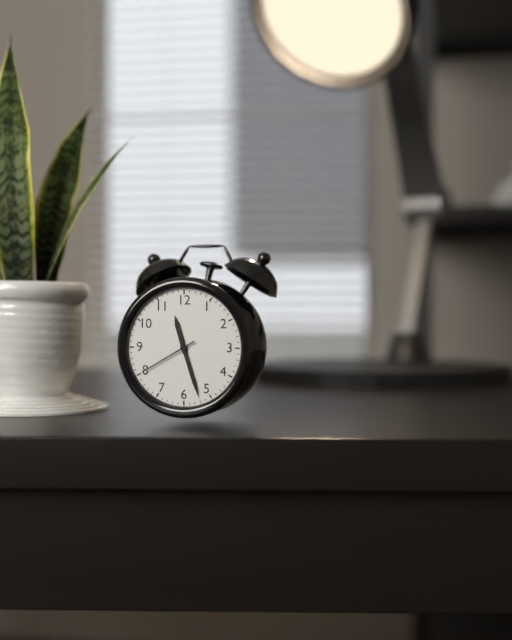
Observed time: 11:27:40
